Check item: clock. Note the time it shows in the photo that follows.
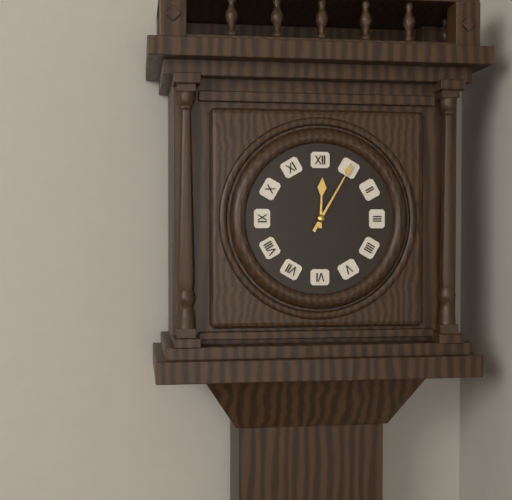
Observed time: 12:05
